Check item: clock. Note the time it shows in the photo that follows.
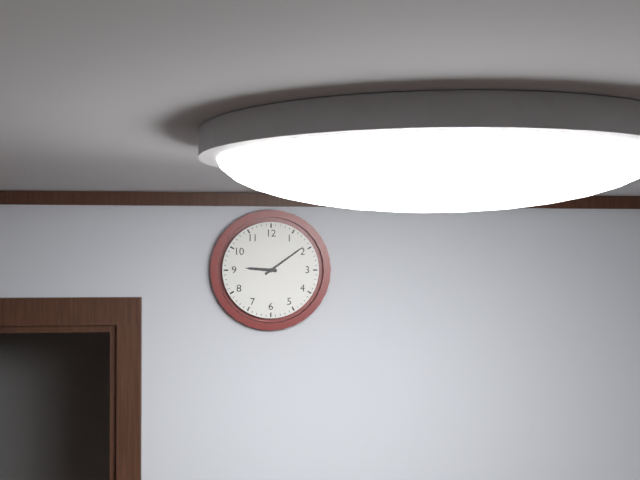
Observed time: 9:09
